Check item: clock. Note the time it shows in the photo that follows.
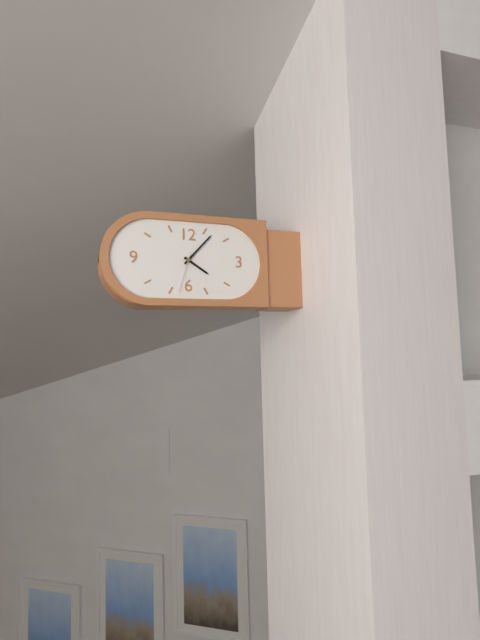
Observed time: 4:07
